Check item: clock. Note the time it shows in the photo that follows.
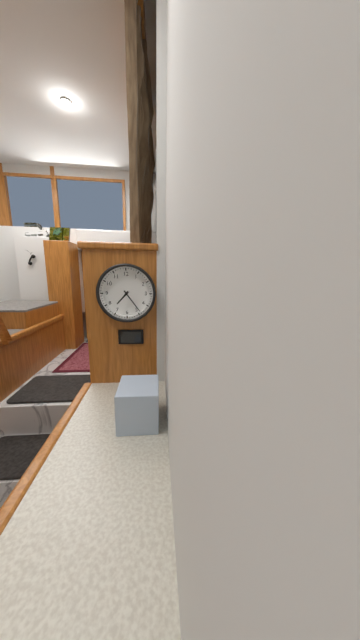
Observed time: 7:24
